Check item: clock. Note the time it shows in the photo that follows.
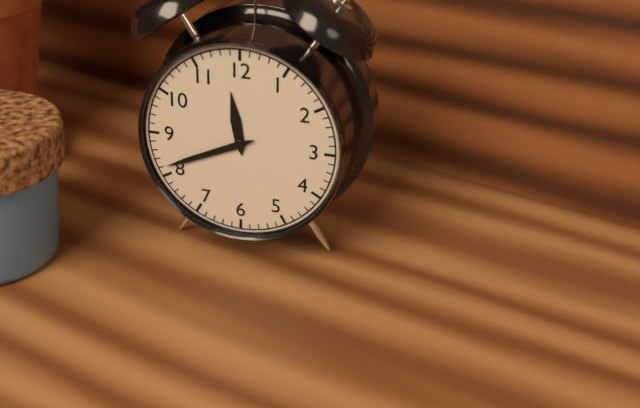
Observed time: 11:41
